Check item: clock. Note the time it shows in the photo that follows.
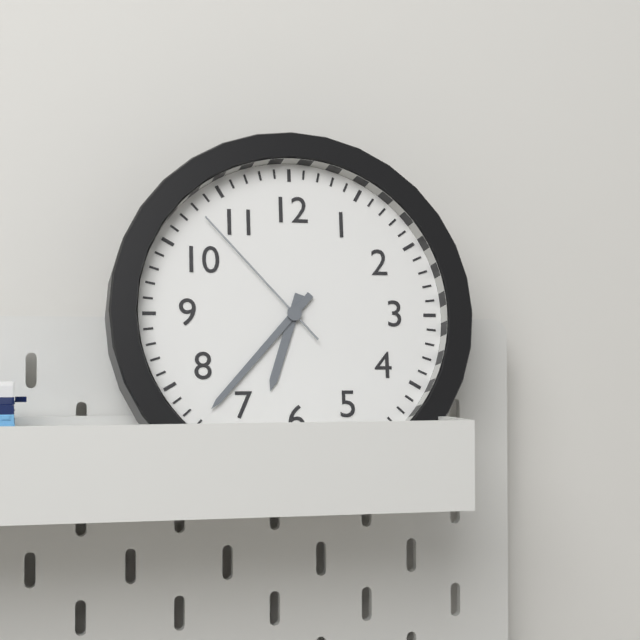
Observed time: 6:37:53
